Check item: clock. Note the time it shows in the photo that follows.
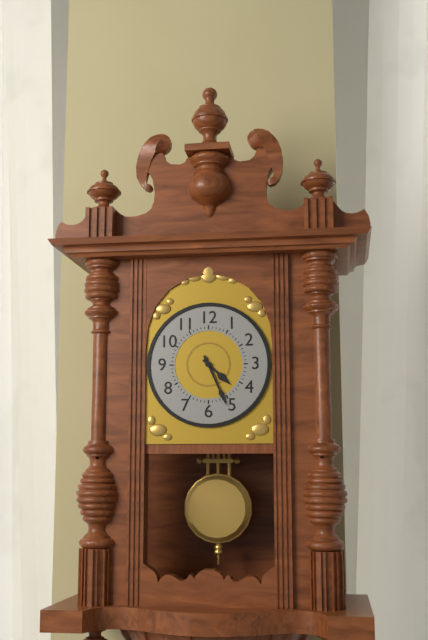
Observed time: 4:26
